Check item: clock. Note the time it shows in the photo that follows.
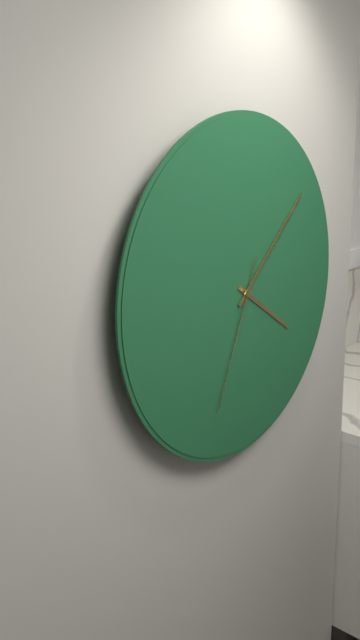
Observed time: 4:08:34
